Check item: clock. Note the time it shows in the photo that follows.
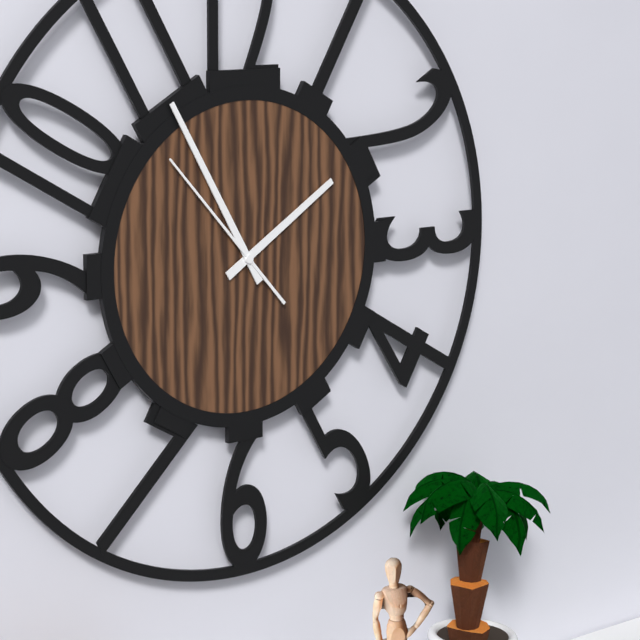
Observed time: 1:55:53
